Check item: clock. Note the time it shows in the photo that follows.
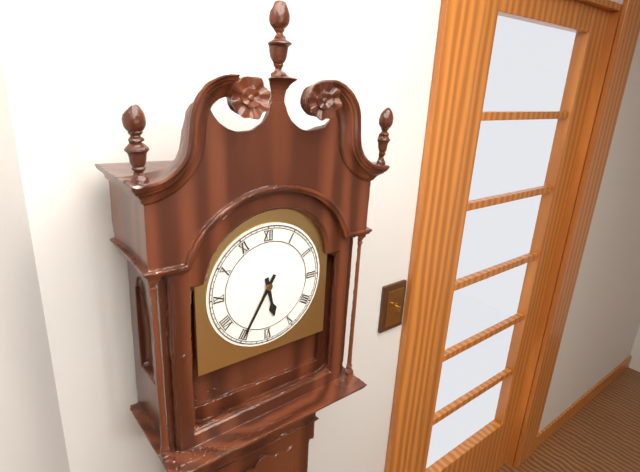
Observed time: 5:35
